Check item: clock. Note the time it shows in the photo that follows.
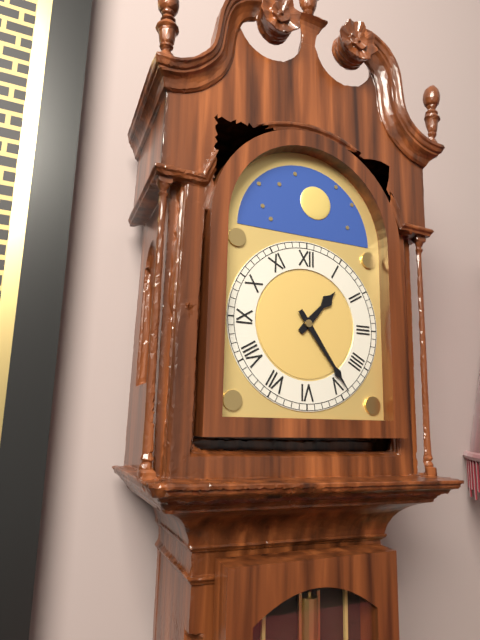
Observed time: 1:24
